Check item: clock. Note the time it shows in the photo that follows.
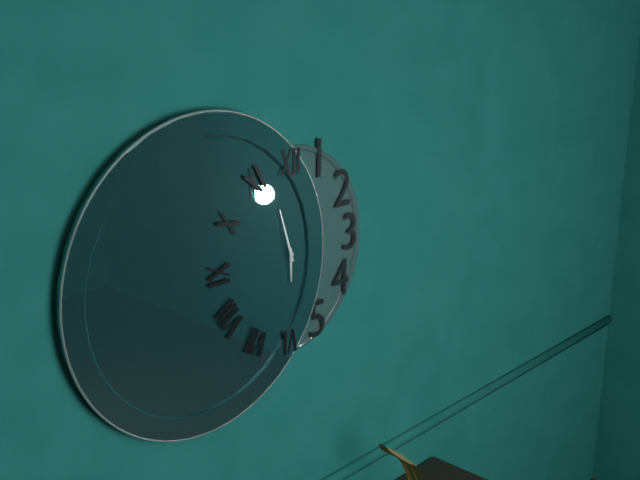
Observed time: 5:57
